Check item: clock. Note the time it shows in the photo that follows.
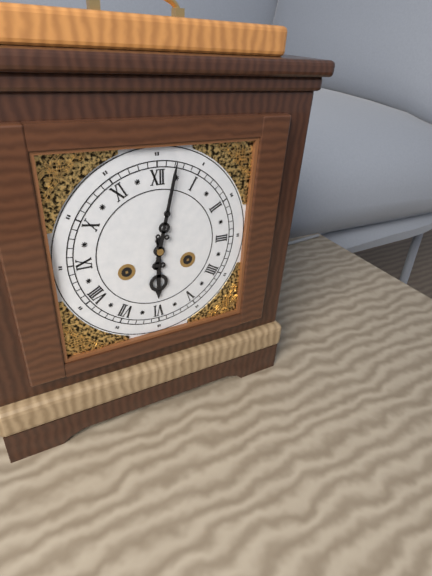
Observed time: 6:02
